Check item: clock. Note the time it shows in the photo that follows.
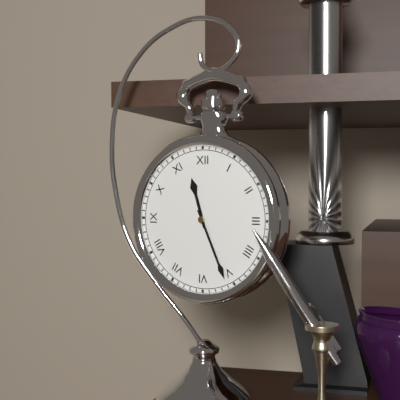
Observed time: 11:26
